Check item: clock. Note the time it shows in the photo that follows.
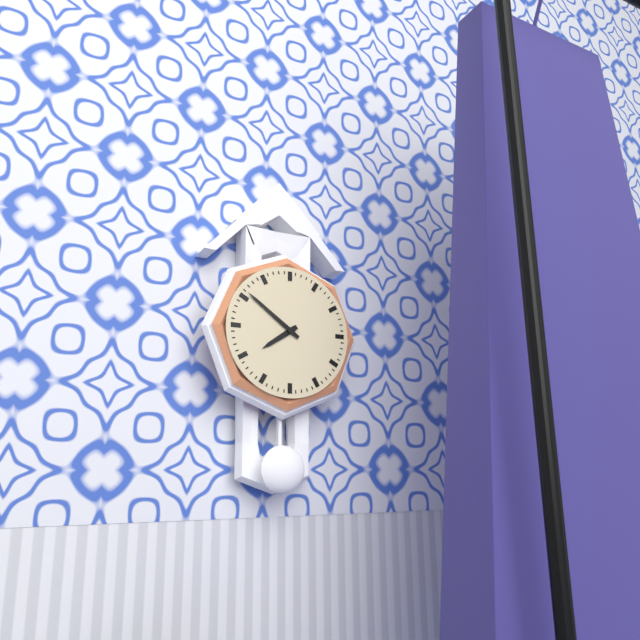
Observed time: 7:51
